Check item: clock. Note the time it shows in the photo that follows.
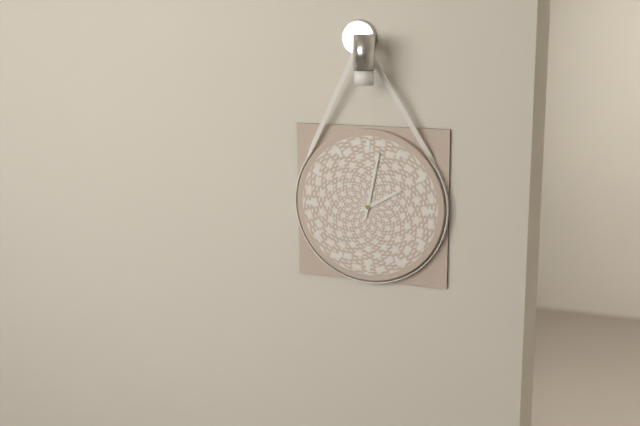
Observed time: 2:02
